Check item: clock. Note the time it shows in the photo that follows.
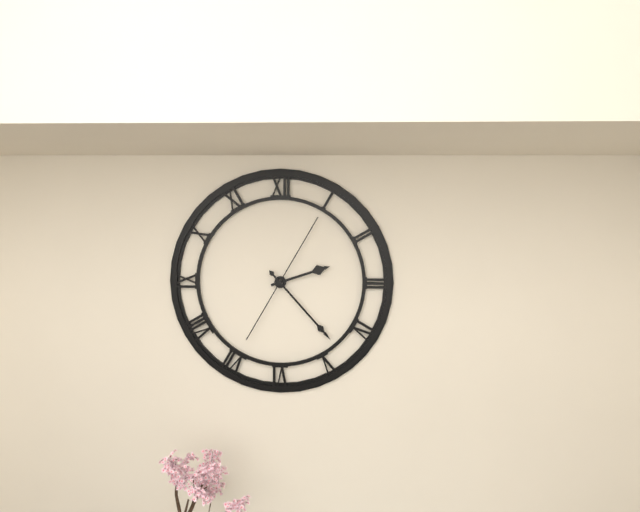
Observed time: 2:23:05
